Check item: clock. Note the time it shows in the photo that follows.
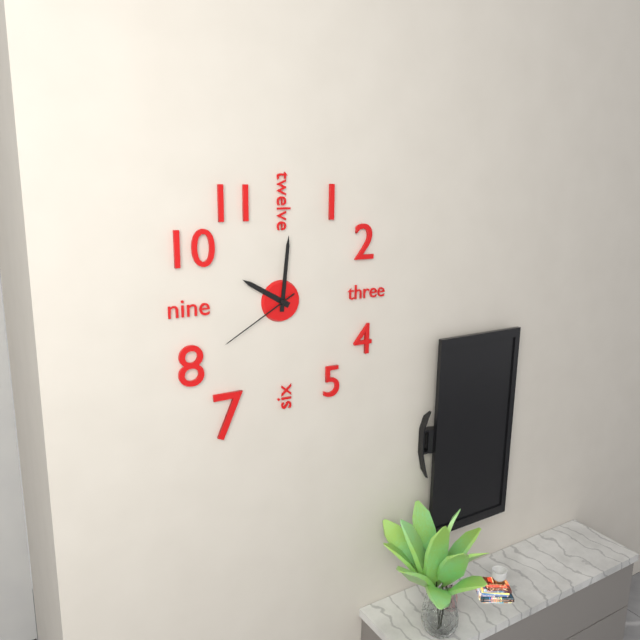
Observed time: 10:01:40
